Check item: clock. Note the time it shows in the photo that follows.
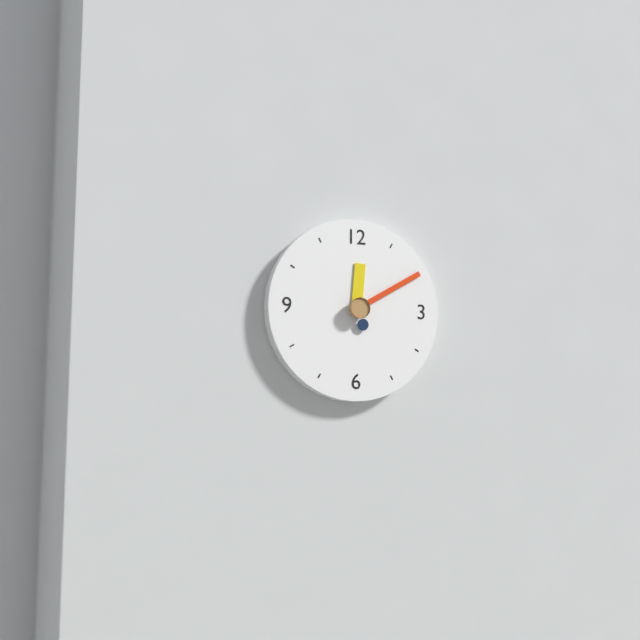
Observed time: 12:10
